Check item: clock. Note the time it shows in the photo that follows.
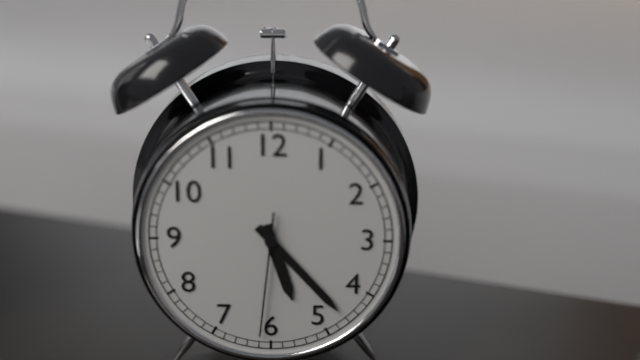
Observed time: 5:23:31
